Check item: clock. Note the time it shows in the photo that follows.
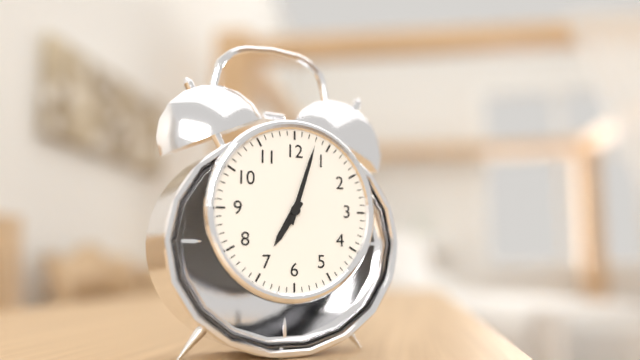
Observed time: 7:03
